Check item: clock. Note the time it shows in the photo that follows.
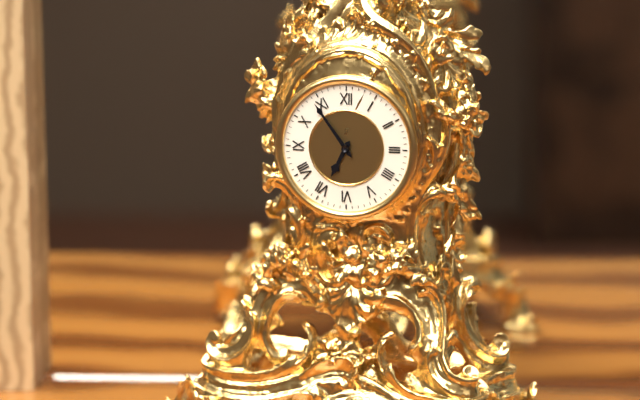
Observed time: 6:54
